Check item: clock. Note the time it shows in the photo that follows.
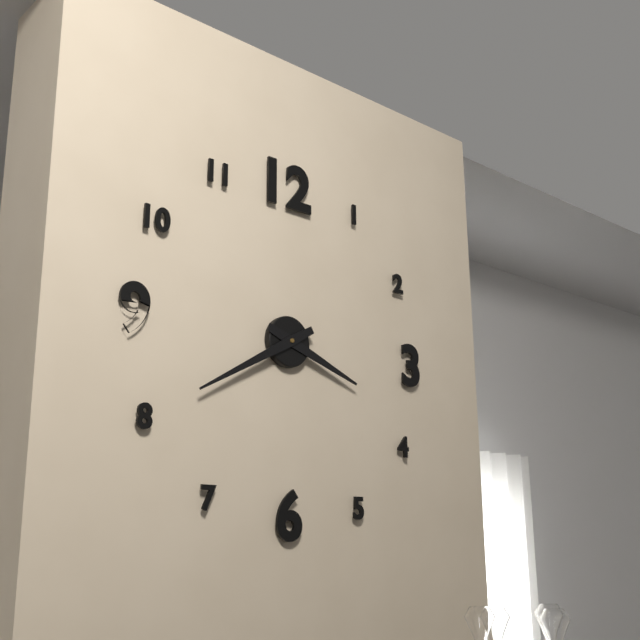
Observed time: 3:40
